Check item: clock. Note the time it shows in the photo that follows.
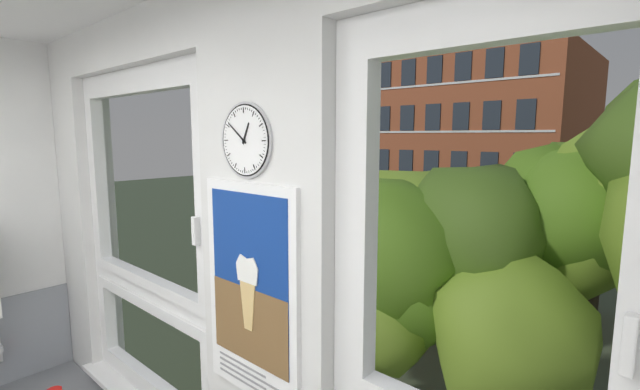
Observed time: 12:51
